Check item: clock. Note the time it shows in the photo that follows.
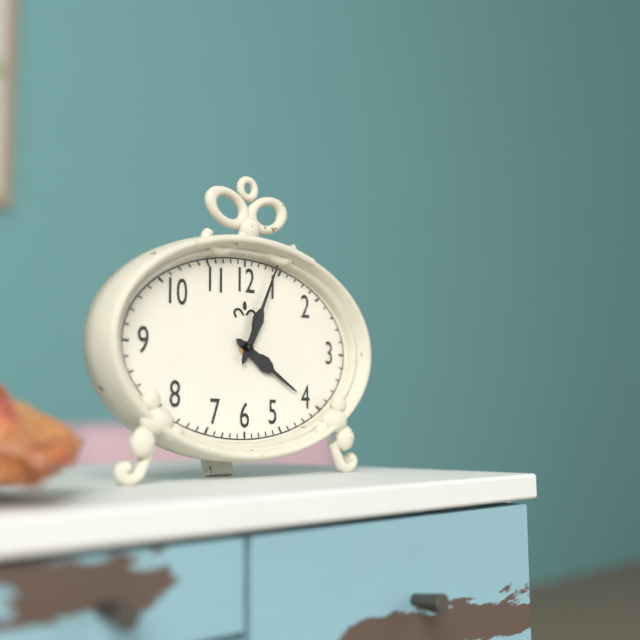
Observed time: 4:04
